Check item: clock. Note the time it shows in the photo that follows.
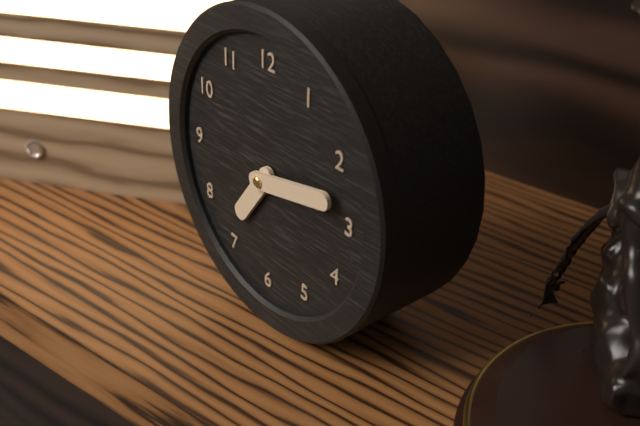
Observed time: 7:13
